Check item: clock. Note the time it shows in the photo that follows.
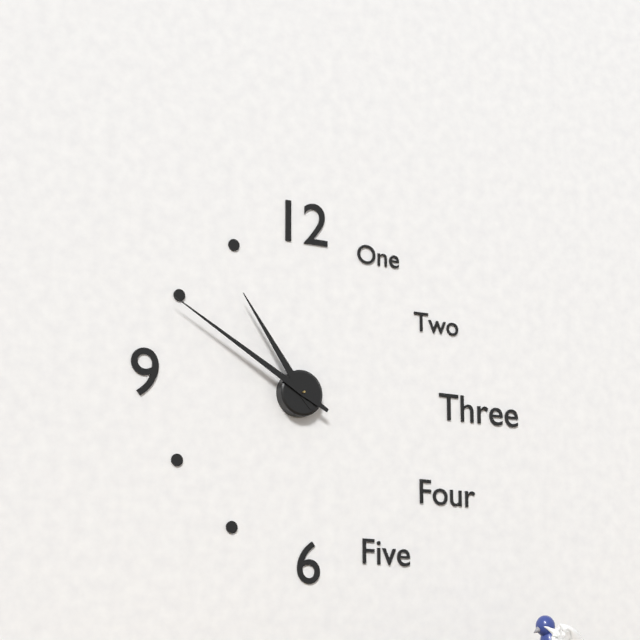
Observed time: 10:50
